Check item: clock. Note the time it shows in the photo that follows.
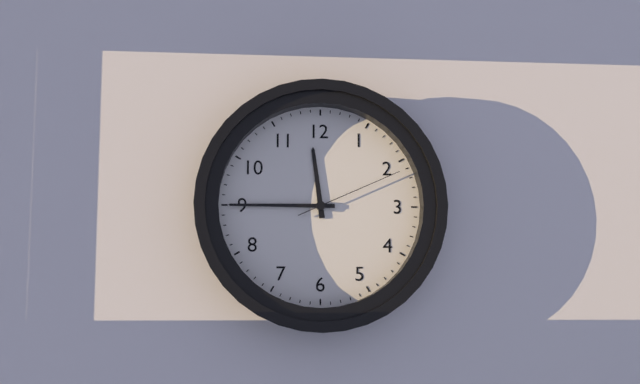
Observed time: 11:45:11
